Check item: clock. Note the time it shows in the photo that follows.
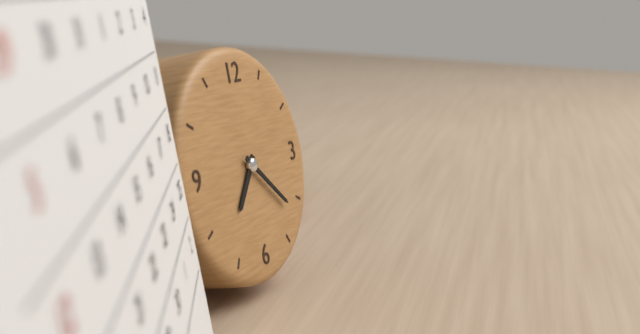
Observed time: 7:22
